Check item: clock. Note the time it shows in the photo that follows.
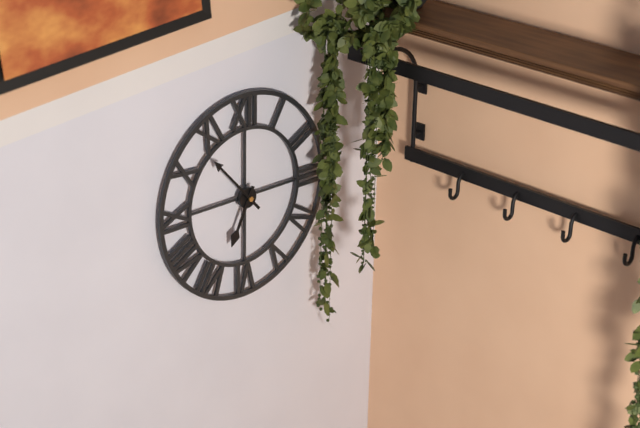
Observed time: 6:53
